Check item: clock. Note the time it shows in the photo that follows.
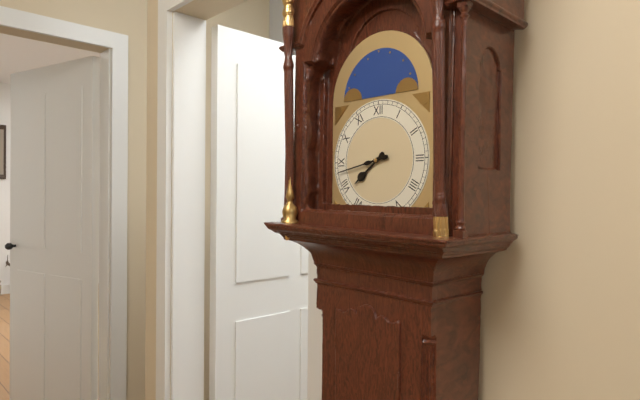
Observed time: 7:43
